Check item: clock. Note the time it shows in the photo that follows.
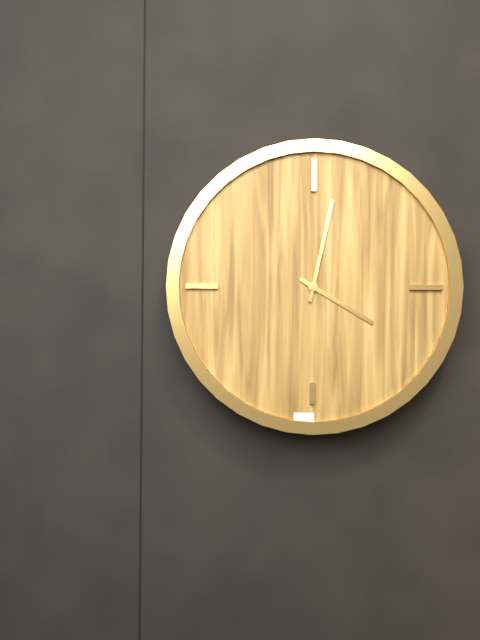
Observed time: 4:02
